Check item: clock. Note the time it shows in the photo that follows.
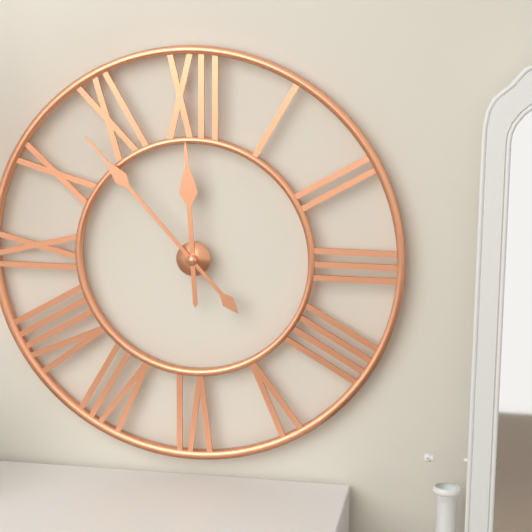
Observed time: 11:53
